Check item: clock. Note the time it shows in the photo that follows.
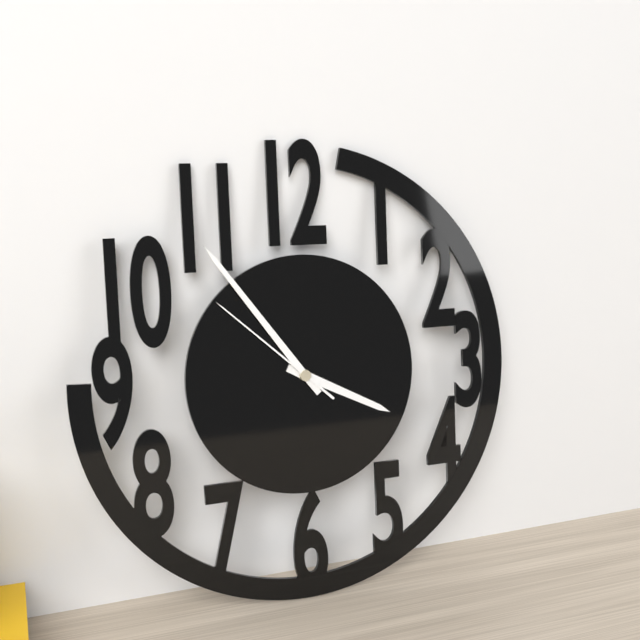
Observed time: 3:54:52
